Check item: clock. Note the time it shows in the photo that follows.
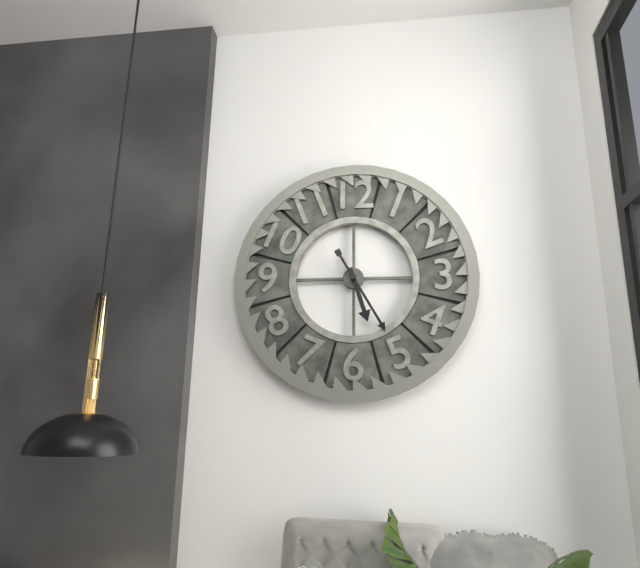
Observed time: 5:25
